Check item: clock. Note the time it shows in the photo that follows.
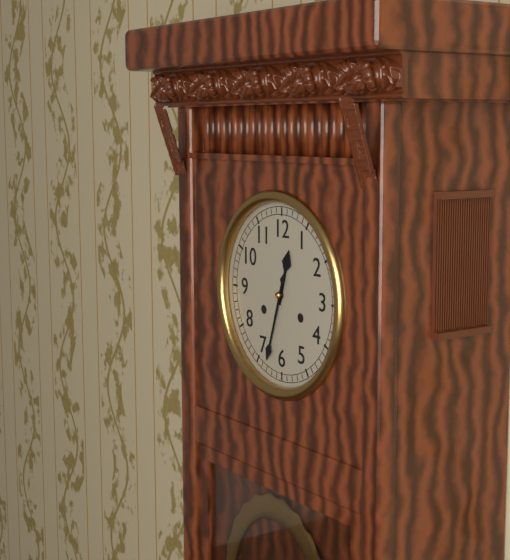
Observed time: 12:33
